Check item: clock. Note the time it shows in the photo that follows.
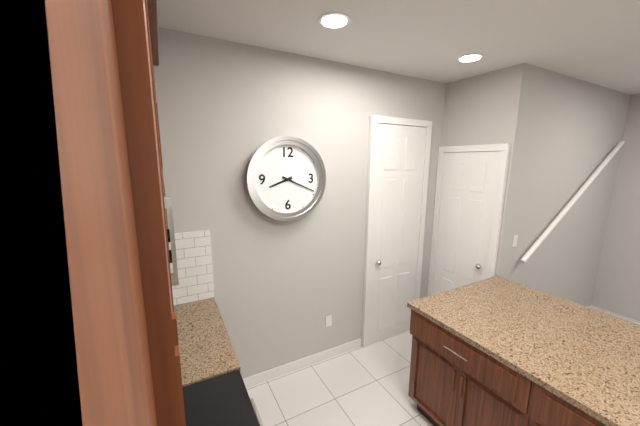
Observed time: 8:19
